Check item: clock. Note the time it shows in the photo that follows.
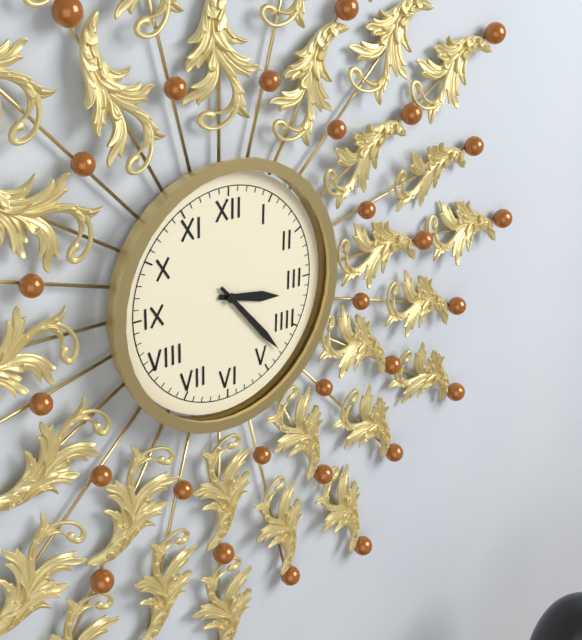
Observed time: 3:23
